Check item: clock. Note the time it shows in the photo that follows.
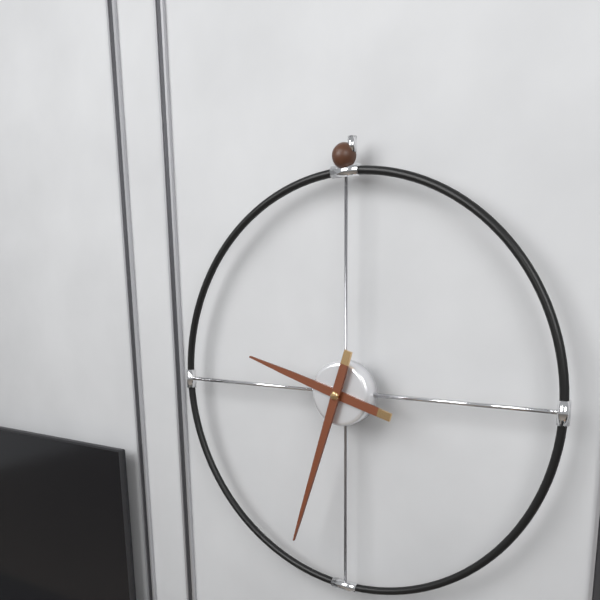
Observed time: 9:33
